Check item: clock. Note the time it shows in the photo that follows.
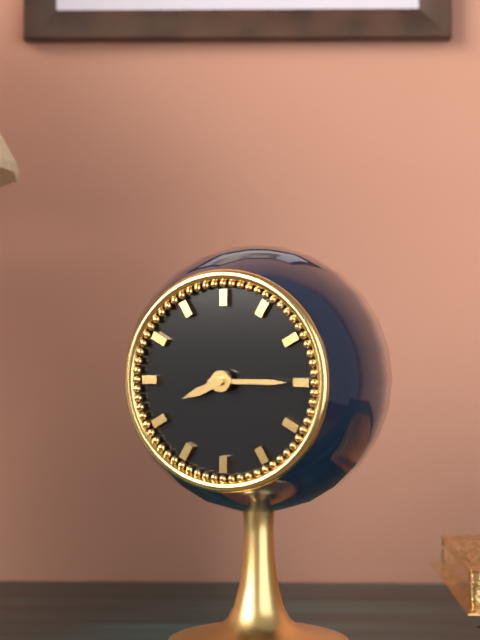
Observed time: 8:15
